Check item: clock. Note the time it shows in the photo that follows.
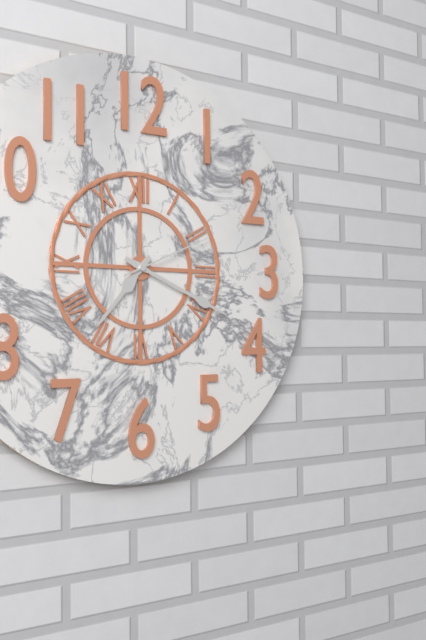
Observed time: 7:19:11
